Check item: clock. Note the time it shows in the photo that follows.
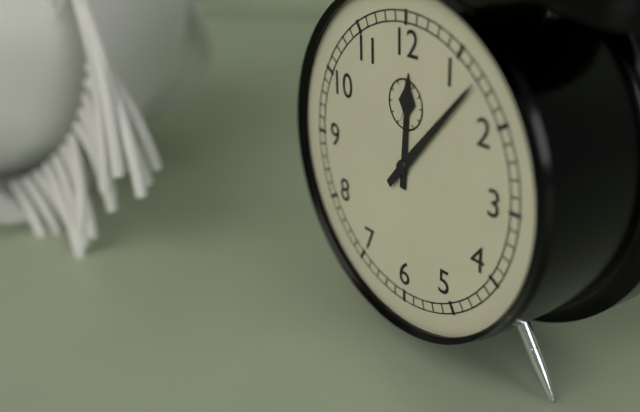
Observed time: 12:07
